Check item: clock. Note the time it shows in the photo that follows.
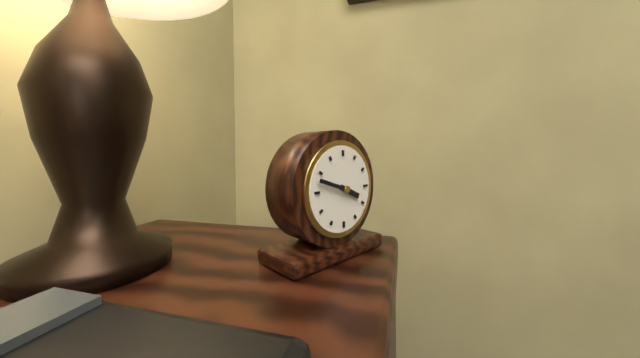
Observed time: 3:48
